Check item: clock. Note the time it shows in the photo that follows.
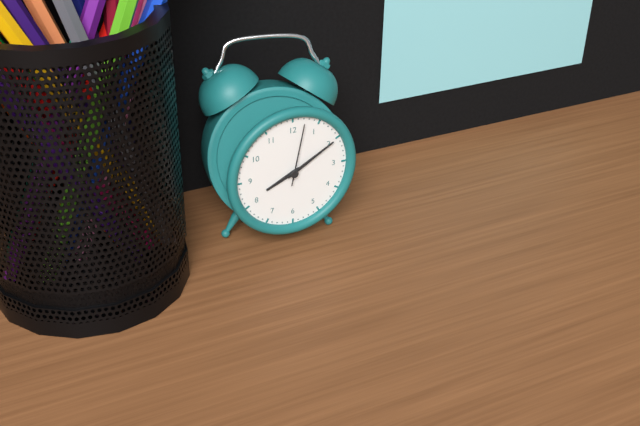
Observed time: 8:10:02
